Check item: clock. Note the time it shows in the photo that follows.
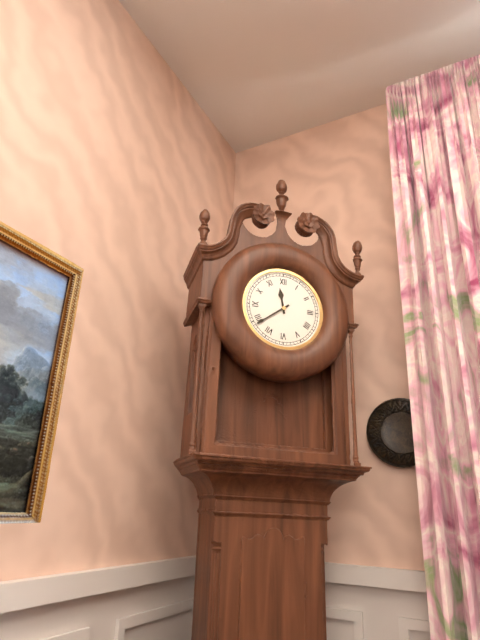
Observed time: 11:39
